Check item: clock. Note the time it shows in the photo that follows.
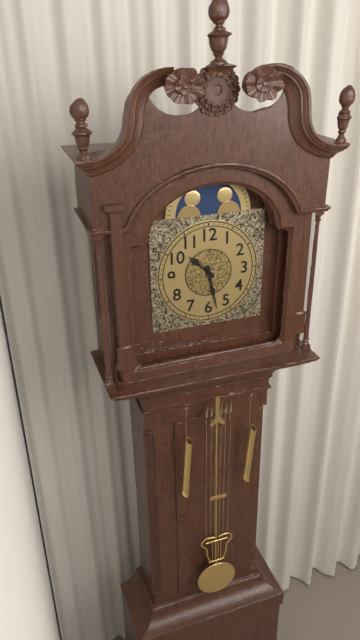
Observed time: 10:28
